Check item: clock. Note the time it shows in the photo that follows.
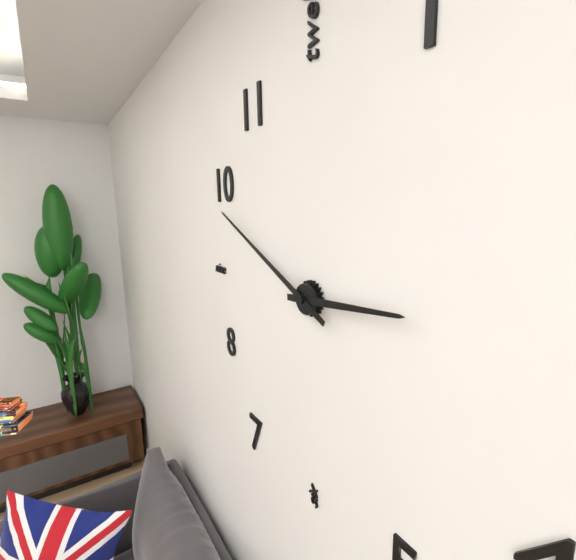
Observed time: 2:49
